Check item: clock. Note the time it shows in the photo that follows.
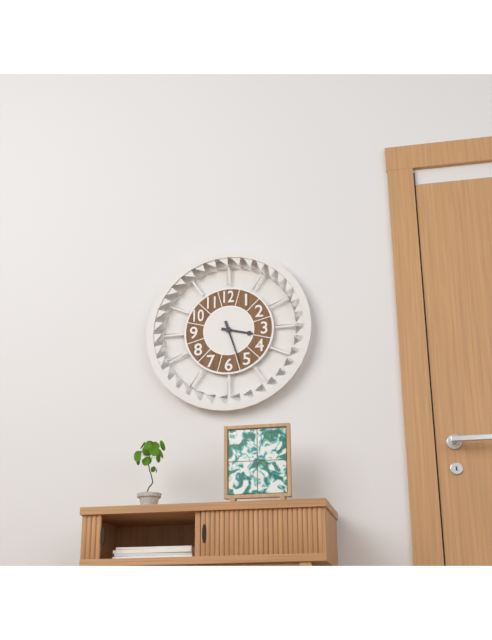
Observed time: 3:27
